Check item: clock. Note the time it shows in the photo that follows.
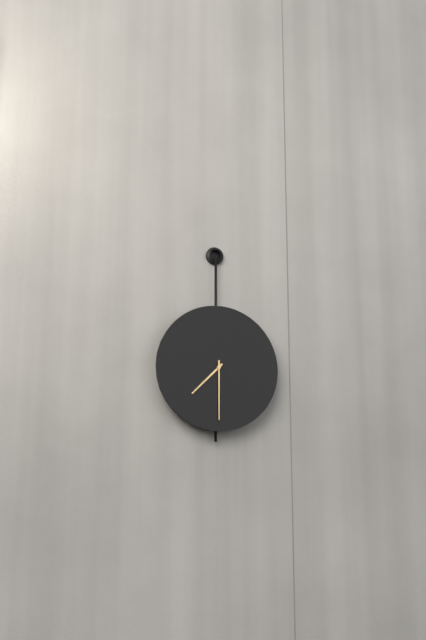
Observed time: 7:30
